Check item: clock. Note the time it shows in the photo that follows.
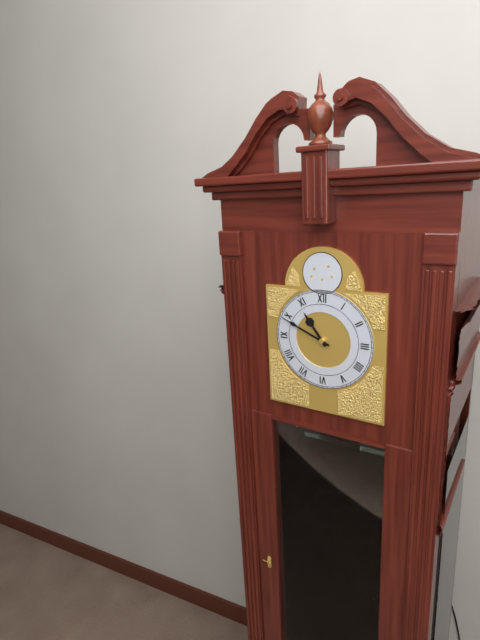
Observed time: 10:49
